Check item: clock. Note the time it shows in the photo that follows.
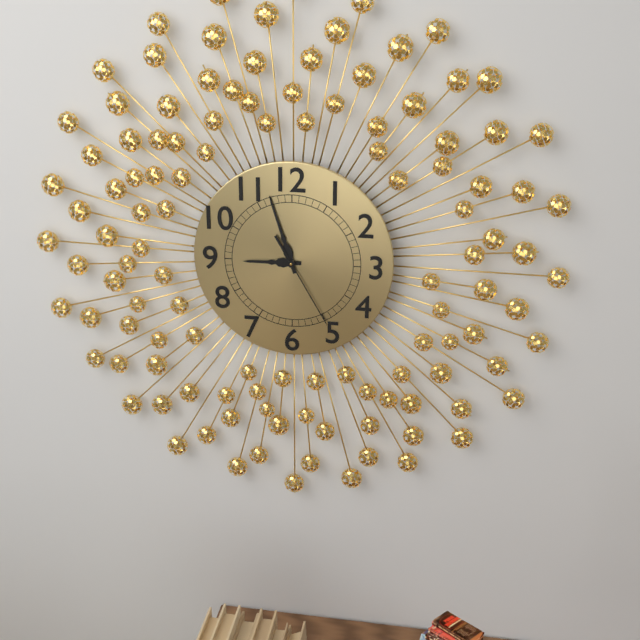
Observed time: 8:57:25
